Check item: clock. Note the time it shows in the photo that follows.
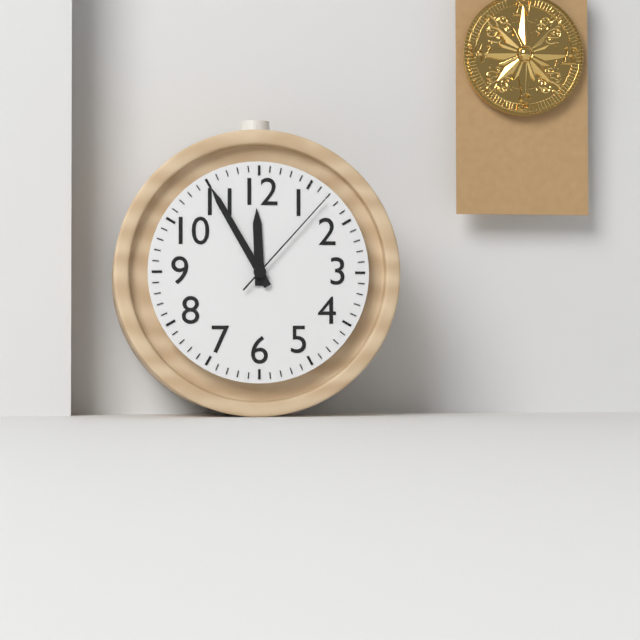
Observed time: 11:55:07
